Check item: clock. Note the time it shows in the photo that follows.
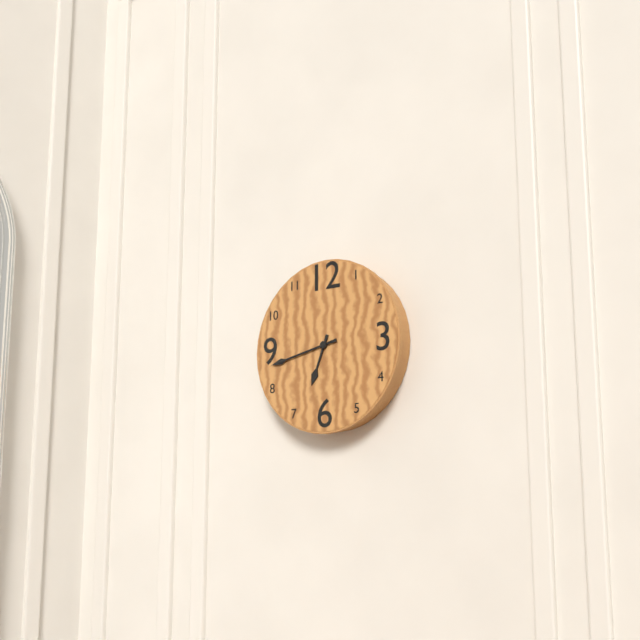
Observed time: 6:43
